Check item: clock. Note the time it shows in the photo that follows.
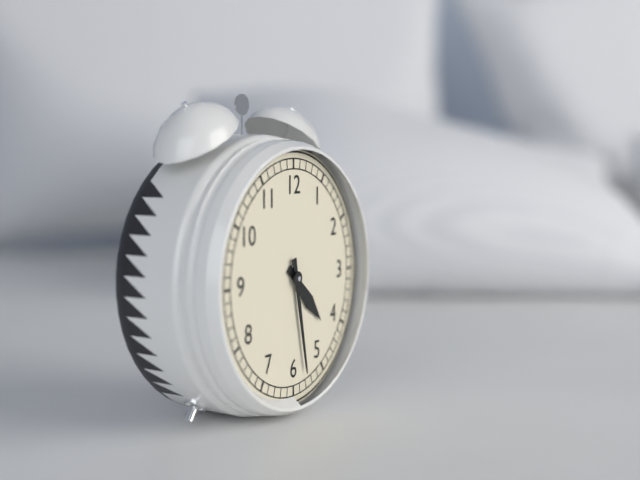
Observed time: 4:28
